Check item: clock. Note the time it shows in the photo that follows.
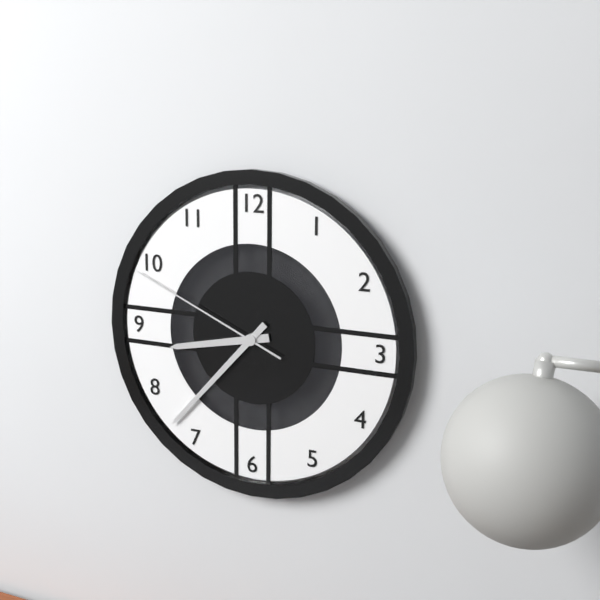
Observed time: 8:37:49
